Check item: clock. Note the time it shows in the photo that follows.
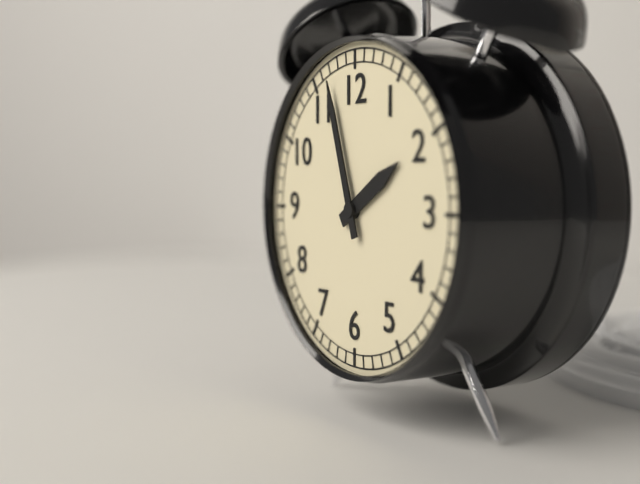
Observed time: 1:57
